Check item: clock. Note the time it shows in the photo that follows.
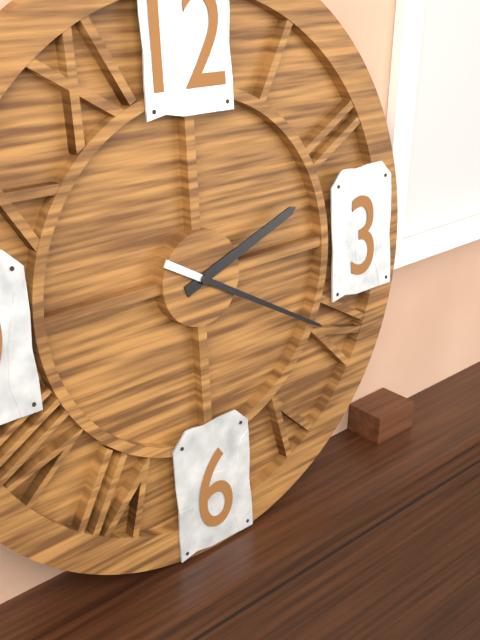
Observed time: 2:20
